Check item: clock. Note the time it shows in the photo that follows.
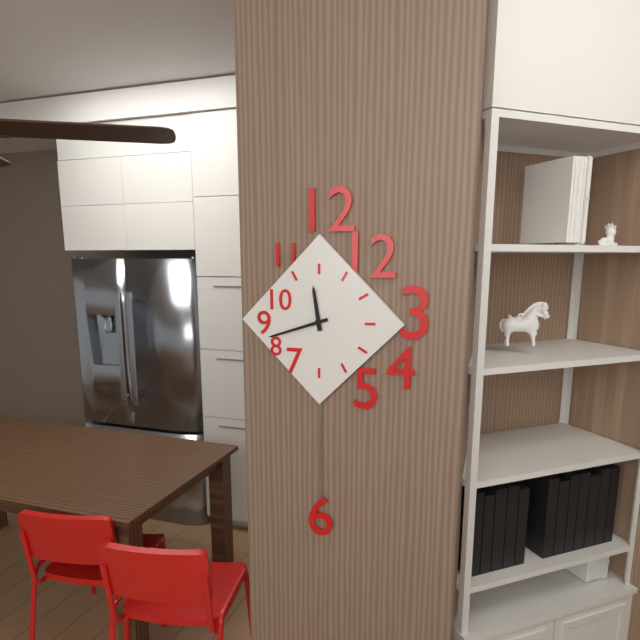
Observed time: 11:42
